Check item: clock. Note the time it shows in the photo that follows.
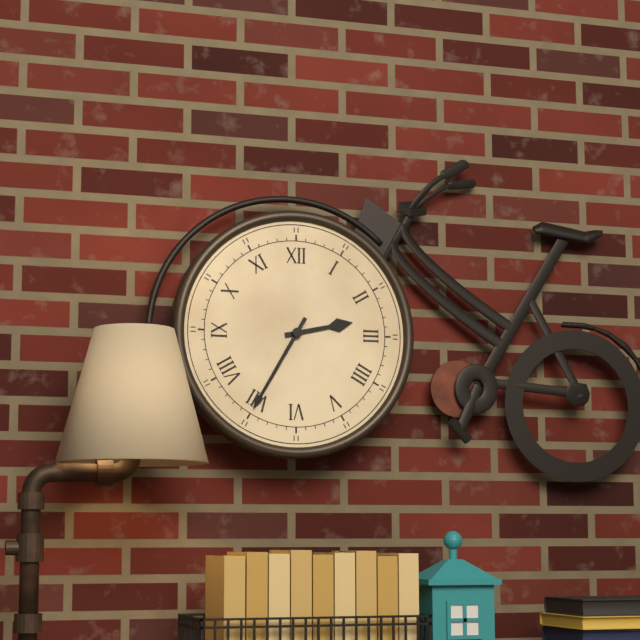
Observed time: 2:35
